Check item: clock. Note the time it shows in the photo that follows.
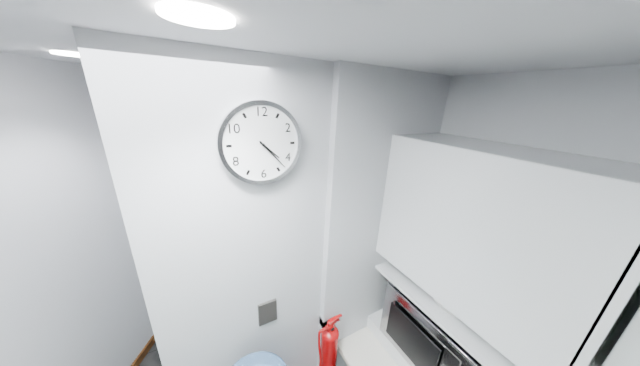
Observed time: 4:23
